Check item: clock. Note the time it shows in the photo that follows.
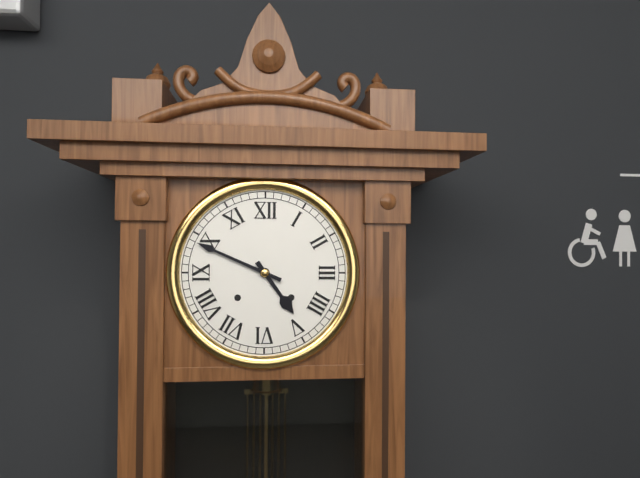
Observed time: 4:49
